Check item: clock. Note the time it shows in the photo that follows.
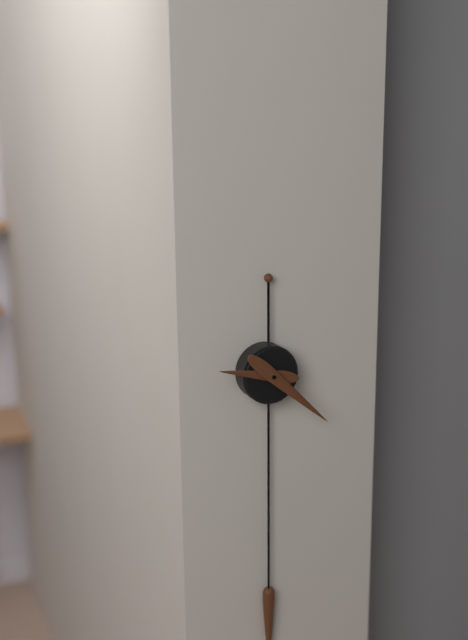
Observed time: 9:22
